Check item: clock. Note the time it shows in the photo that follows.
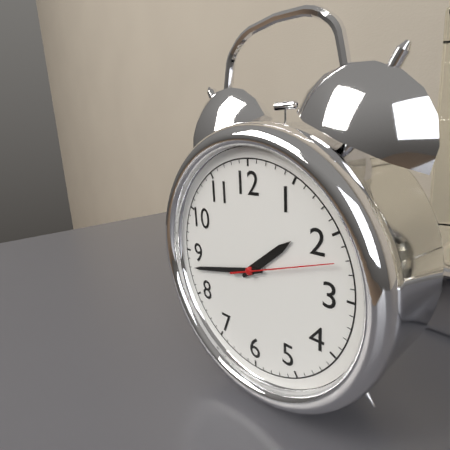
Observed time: 1:43:12
